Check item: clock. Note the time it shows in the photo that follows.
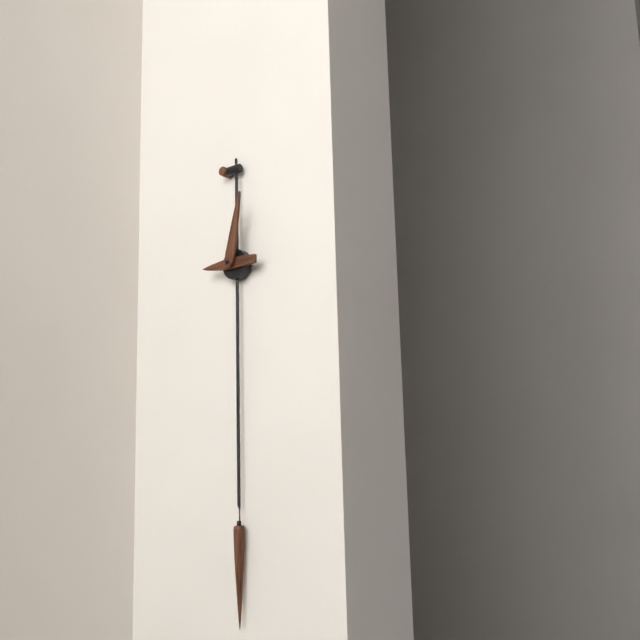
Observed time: 9:02
